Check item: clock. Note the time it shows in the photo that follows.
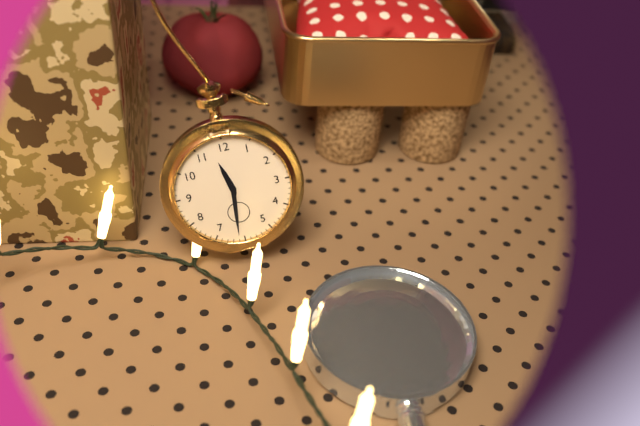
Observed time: 11:31
